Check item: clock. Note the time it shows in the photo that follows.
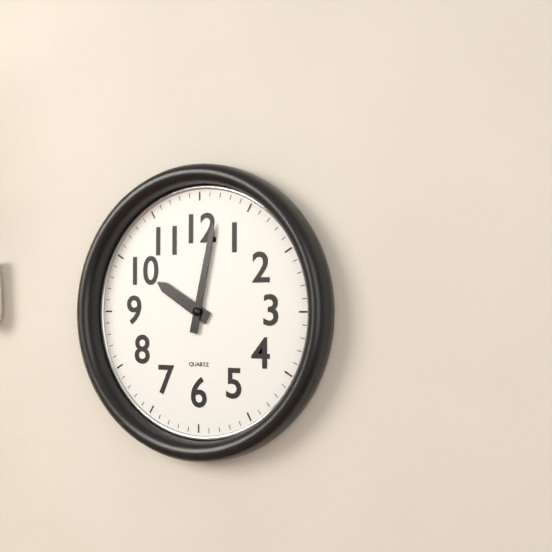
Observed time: 10:02
